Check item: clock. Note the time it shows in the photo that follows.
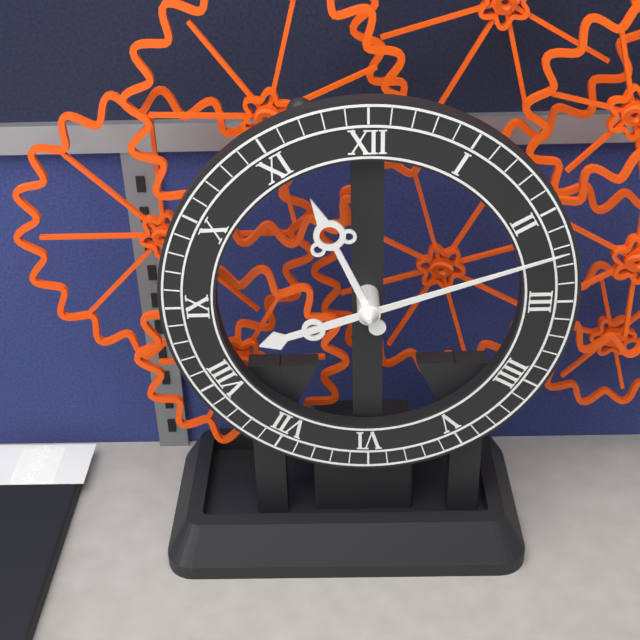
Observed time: 11:12
